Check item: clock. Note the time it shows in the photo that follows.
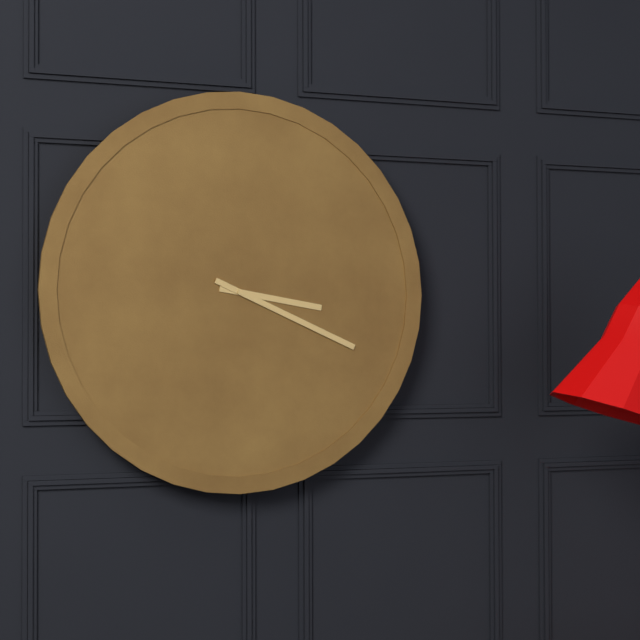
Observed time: 3:19
